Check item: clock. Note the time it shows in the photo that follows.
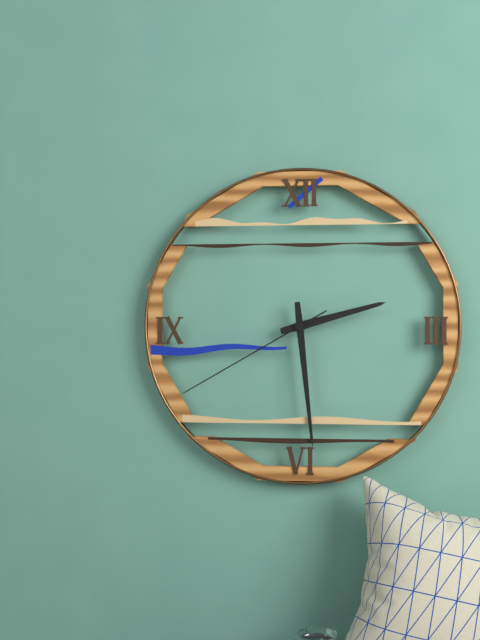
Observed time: 2:29:40
